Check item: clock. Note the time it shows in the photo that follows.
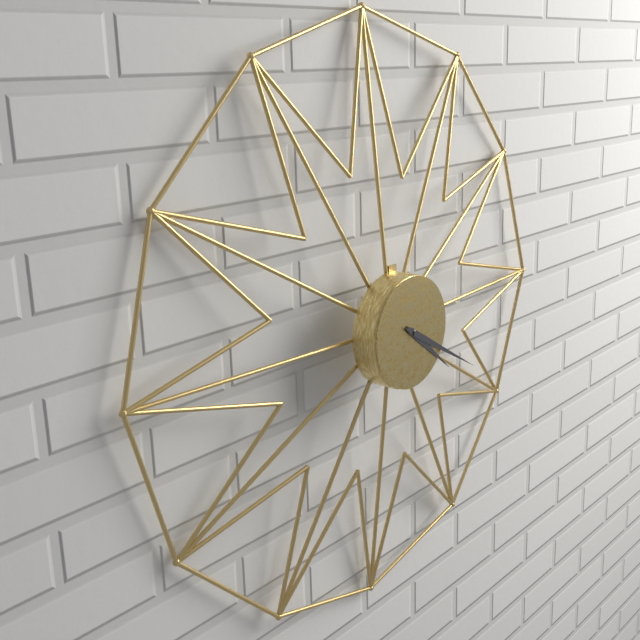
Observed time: 4:20
